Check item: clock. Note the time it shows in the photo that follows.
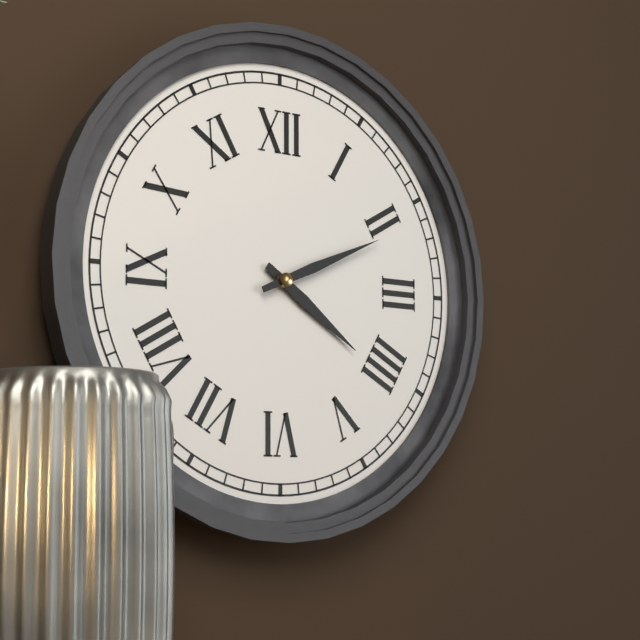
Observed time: 4:11
